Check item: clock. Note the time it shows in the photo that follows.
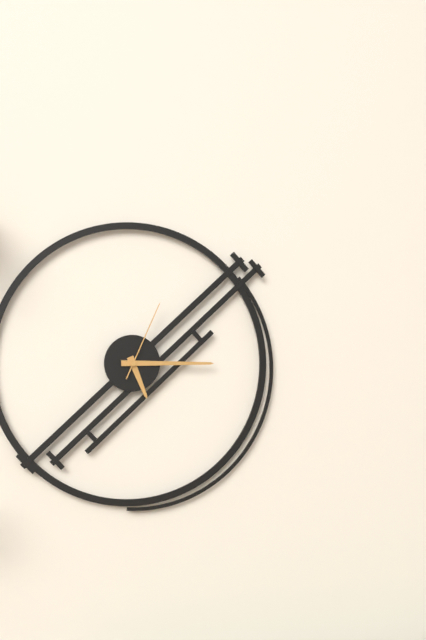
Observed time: 5:15:04
